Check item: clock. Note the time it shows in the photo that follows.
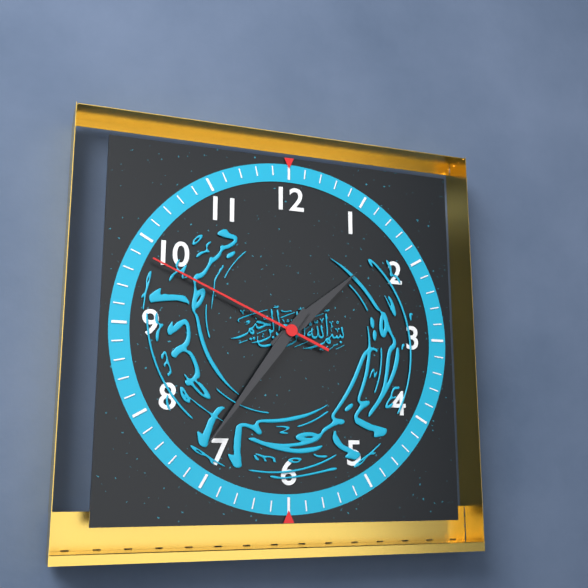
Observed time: 1:36:49
